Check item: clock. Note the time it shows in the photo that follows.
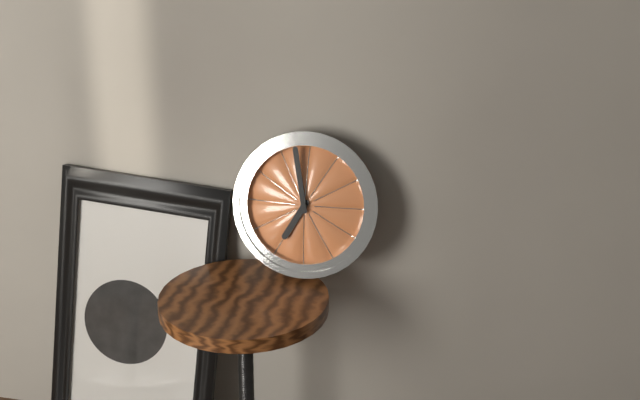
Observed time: 6:58
